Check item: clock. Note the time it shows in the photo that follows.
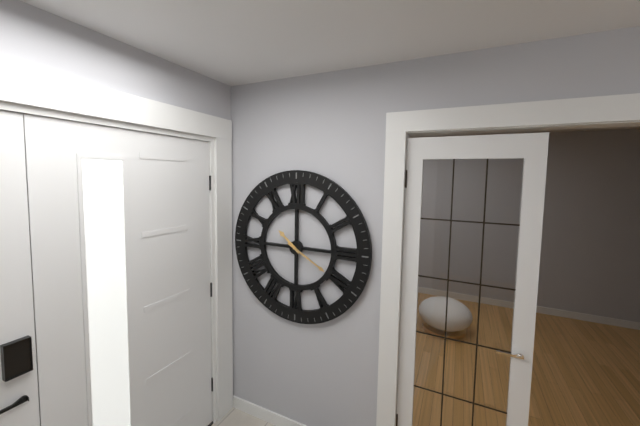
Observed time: 10:20
